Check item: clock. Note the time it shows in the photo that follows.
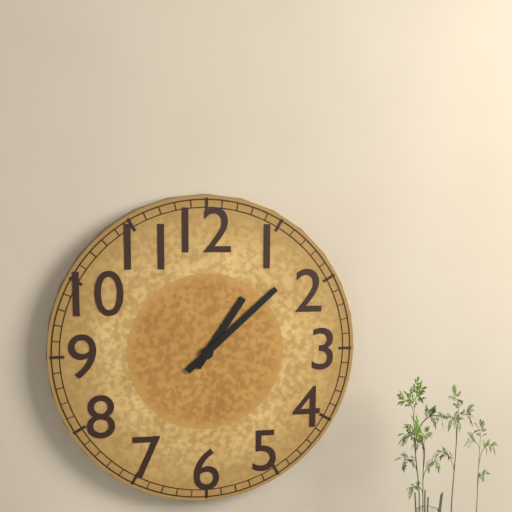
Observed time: 1:08
